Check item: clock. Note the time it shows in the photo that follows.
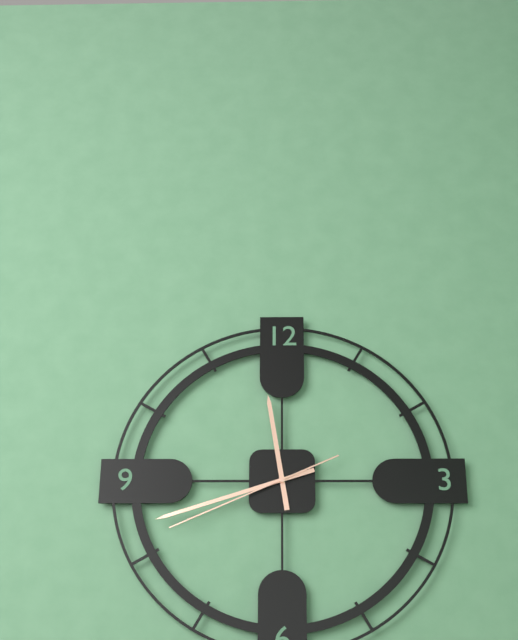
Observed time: 11:42:41
